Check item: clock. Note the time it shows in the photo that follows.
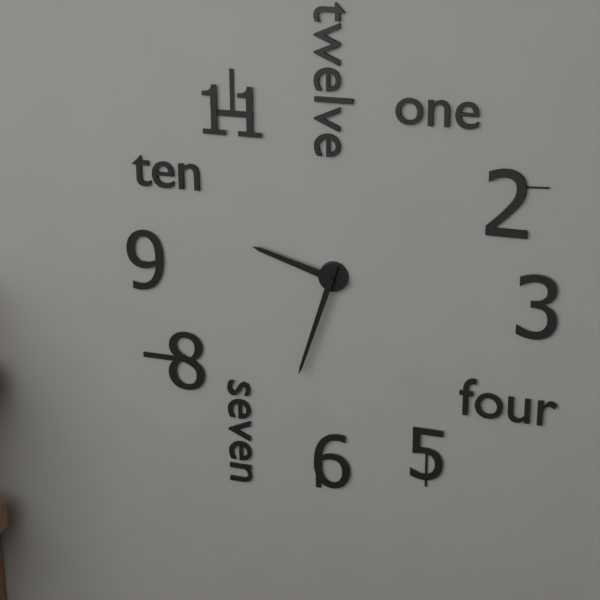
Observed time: 9:33
